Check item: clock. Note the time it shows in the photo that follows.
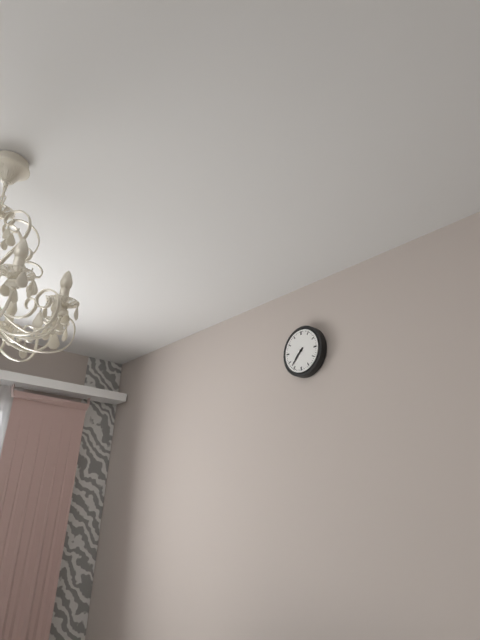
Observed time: 7:37
